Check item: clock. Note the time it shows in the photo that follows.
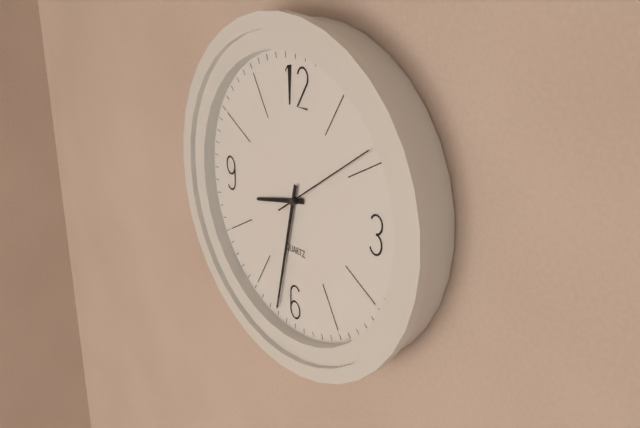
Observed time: 8:32:09
